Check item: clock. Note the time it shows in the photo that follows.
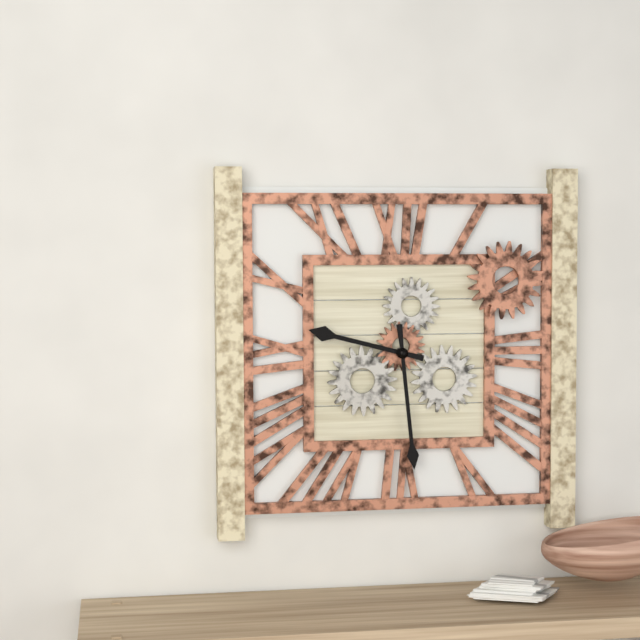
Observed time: 9:29
